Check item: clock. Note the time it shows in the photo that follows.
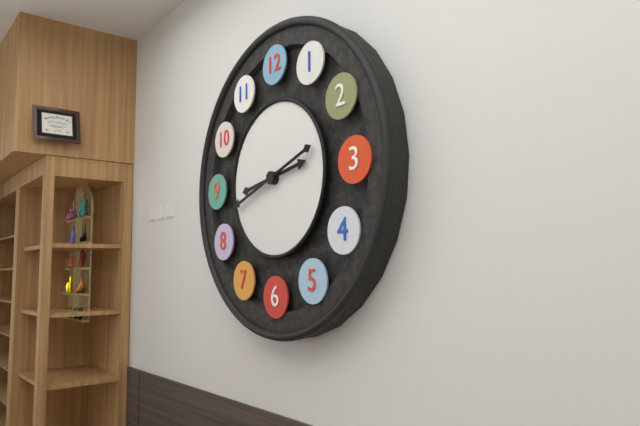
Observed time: 2:42
